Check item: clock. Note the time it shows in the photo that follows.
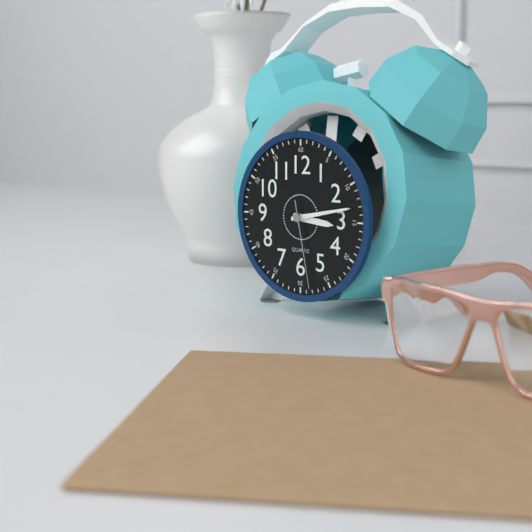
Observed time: 3:13:28
